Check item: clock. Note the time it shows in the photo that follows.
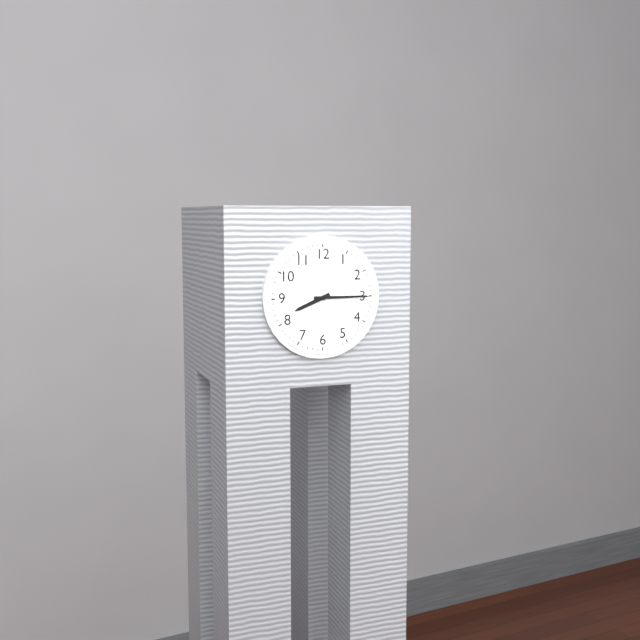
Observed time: 8:15
